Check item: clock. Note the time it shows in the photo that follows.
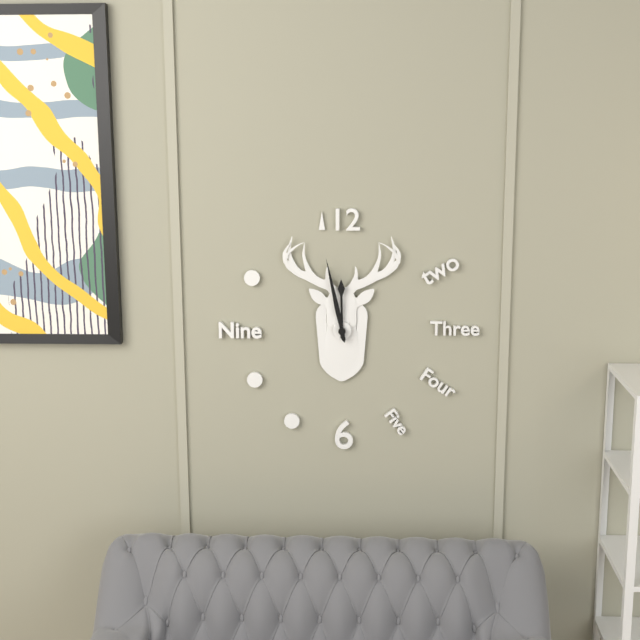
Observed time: 11:58
